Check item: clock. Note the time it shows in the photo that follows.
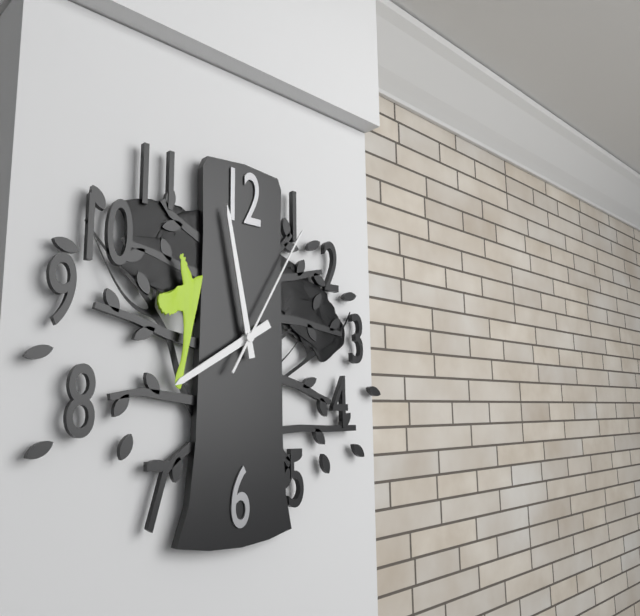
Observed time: 7:58:05
